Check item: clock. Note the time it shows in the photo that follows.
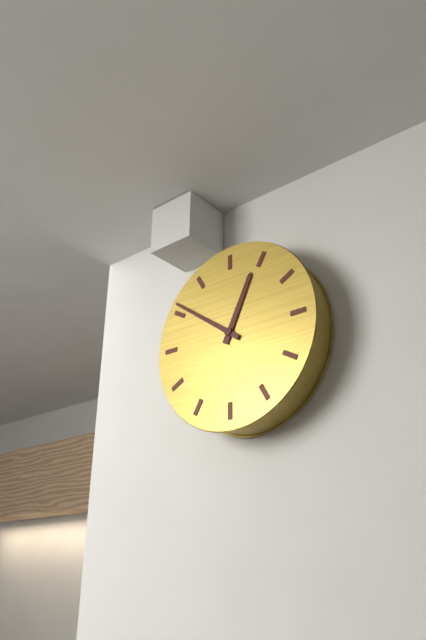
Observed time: 12:51
